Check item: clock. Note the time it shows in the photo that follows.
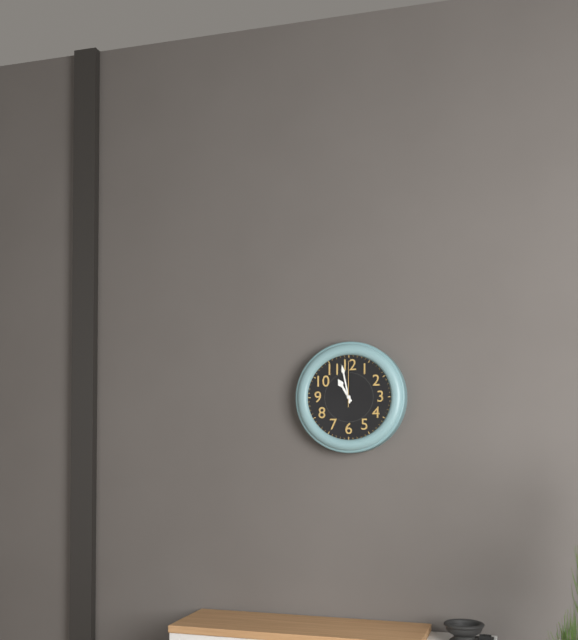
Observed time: 10:58
